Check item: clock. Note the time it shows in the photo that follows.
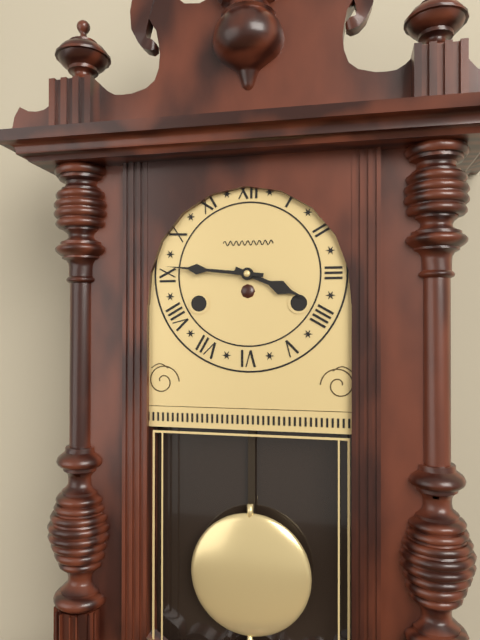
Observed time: 3:46
